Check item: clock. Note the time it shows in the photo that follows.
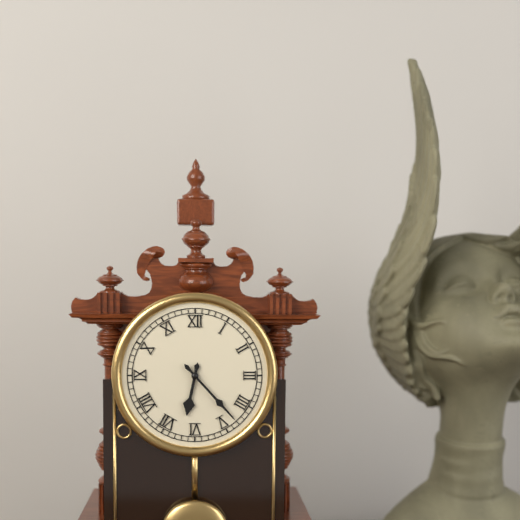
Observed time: 6:23
